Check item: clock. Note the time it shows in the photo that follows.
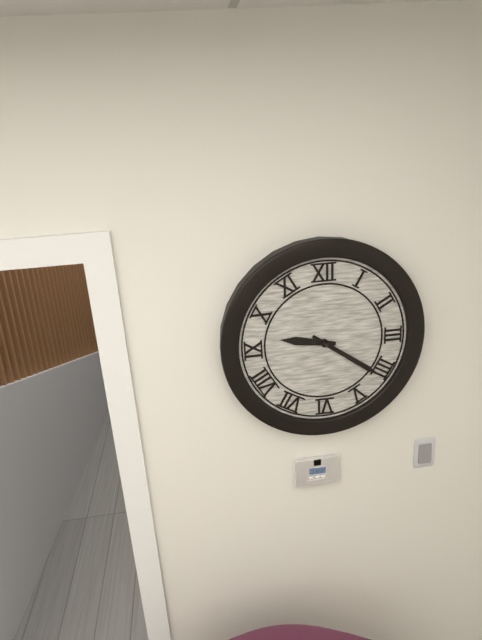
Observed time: 9:21
